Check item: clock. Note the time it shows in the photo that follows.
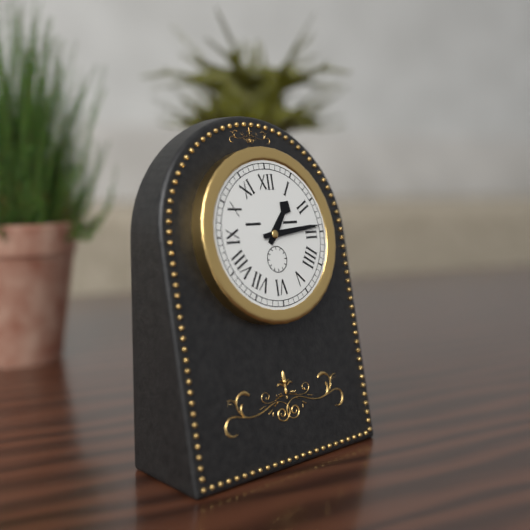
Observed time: 1:14
